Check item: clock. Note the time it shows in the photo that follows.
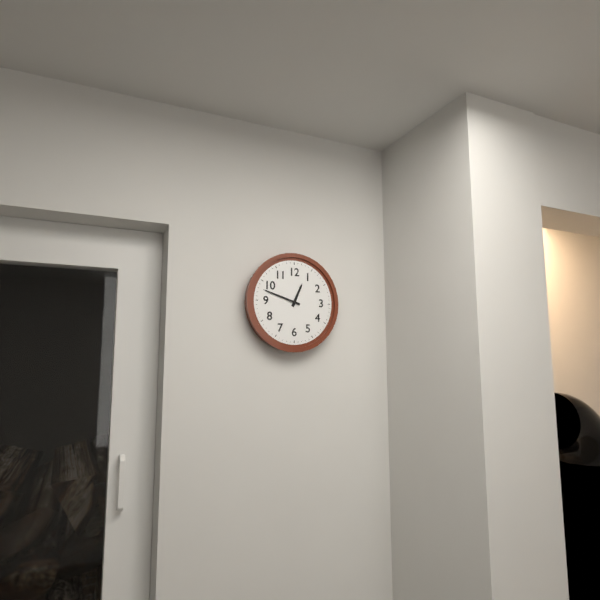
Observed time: 12:48
